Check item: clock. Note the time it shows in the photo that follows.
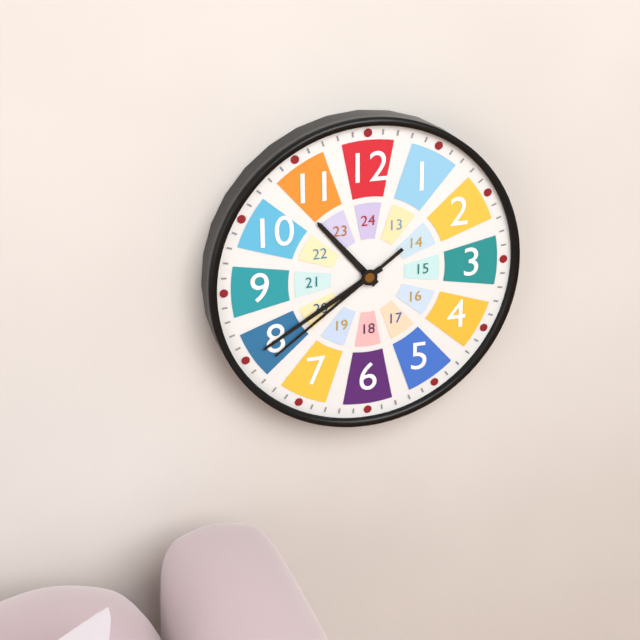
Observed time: 10:40:39
